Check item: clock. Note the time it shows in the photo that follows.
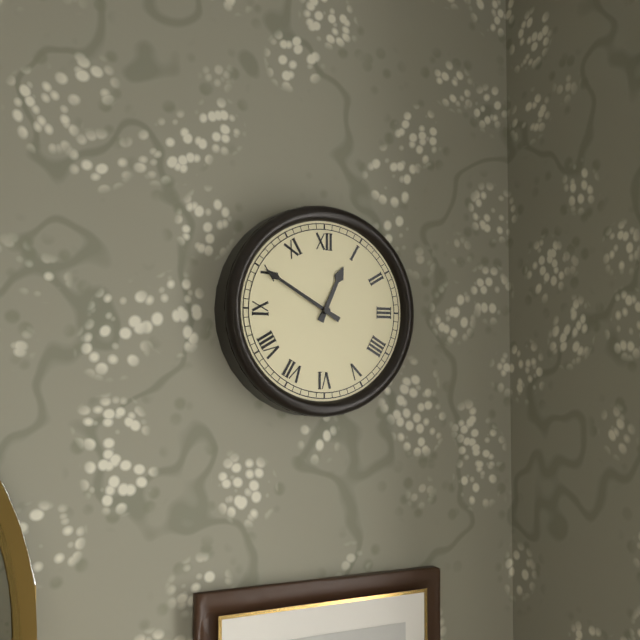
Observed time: 12:50
